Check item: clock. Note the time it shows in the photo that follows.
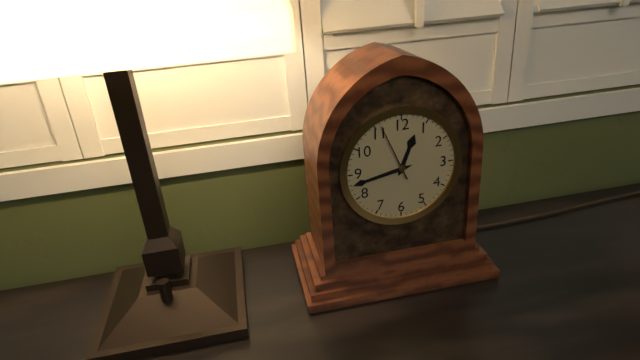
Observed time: 12:43:56
